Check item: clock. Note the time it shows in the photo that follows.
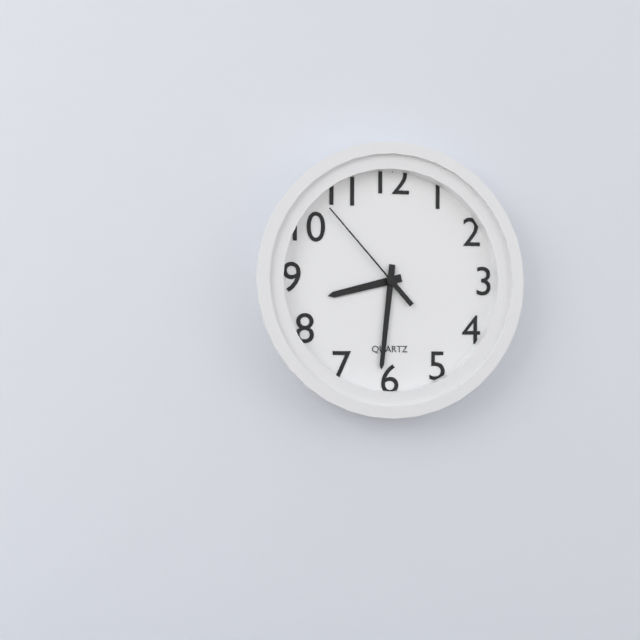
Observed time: 8:31:53
